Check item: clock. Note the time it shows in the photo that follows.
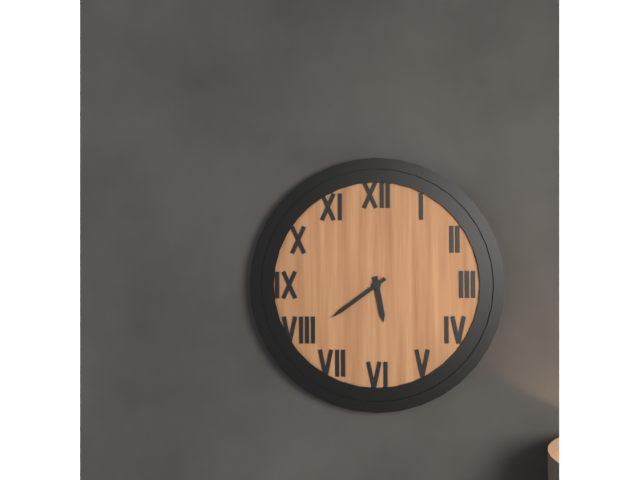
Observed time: 5:39
